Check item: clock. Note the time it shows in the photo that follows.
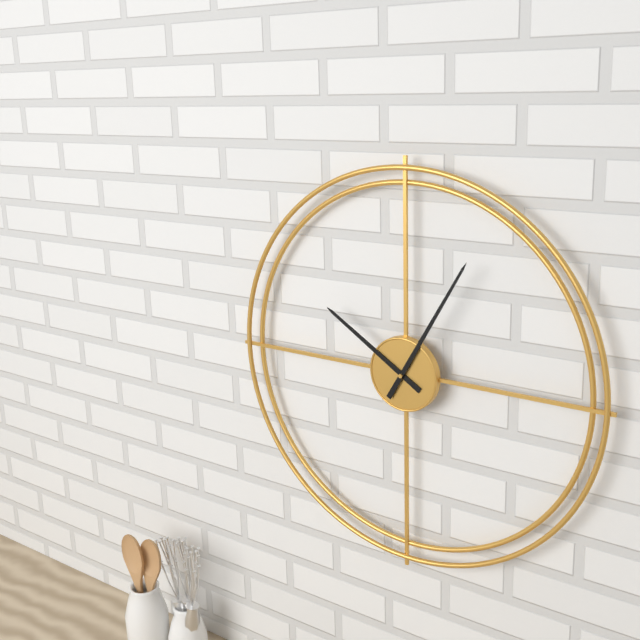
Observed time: 10:05
